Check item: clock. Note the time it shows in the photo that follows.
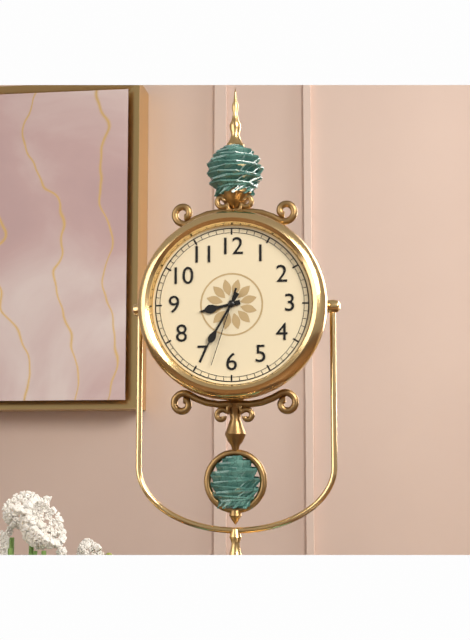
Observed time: 8:35:33
